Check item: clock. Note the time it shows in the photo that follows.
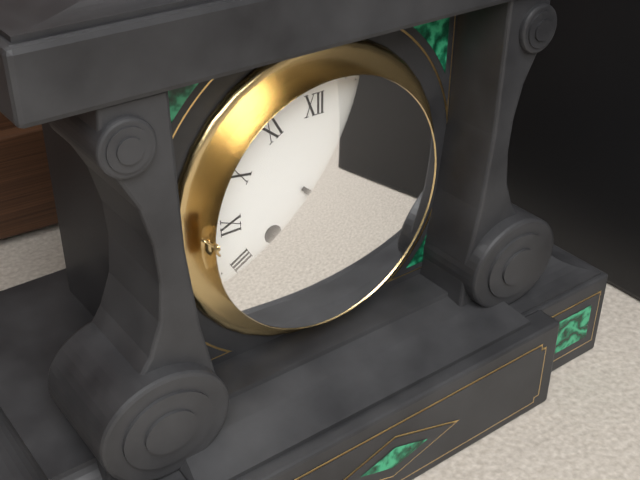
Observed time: 4:22
